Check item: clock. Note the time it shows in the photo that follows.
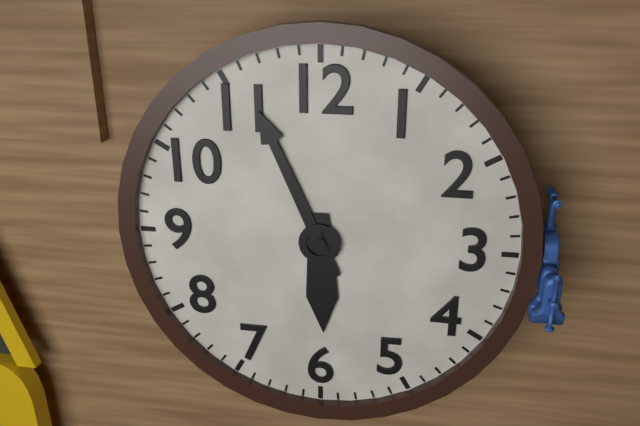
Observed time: 5:56
